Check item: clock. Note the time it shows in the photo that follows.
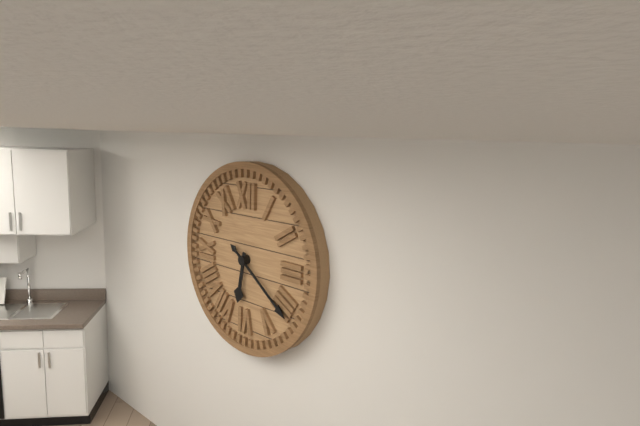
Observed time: 6:21
